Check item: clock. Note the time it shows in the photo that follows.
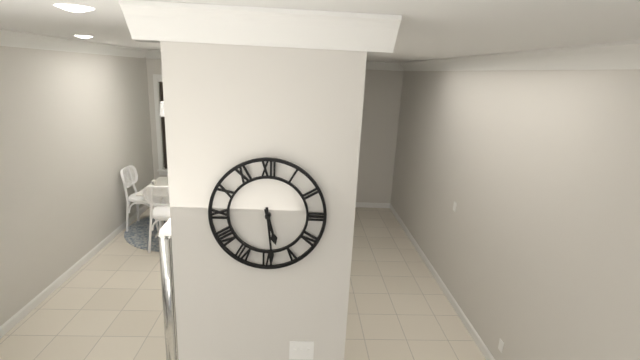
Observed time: 5:29
